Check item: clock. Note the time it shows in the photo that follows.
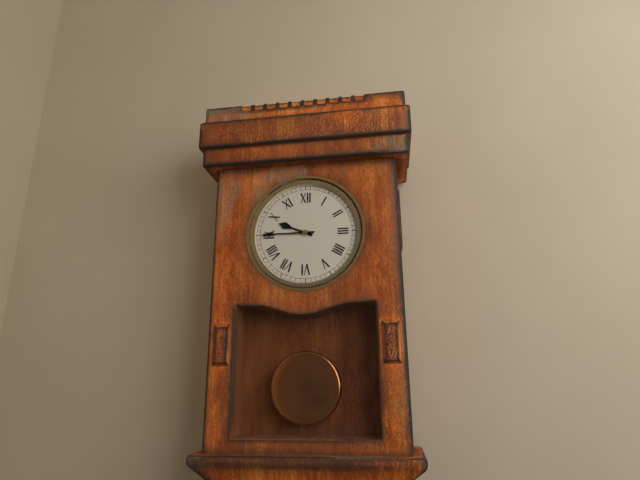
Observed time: 9:45
